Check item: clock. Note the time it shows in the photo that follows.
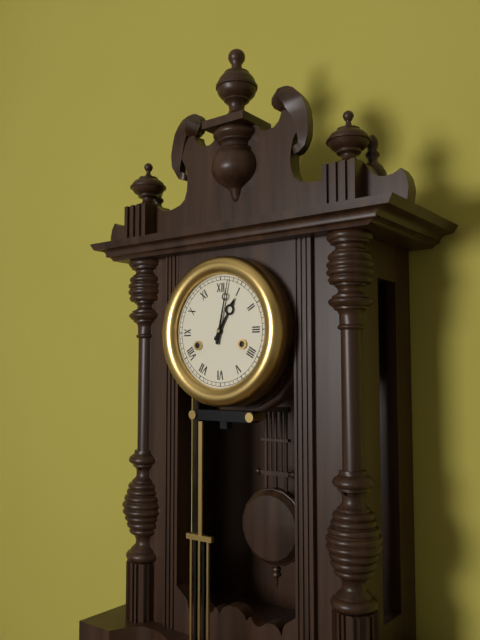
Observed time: 1:02
